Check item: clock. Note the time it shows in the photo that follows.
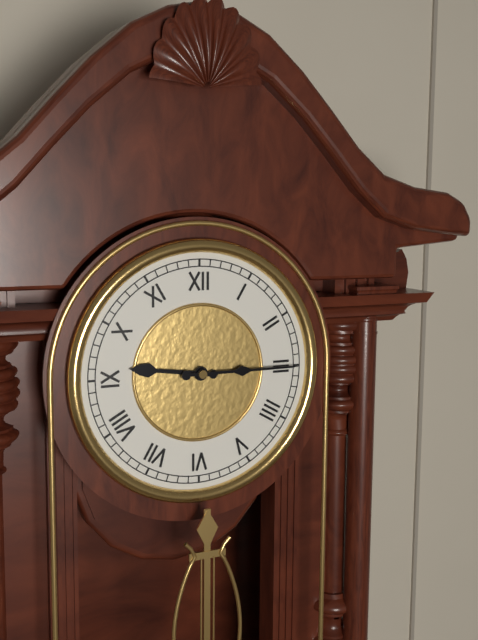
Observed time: 9:15
